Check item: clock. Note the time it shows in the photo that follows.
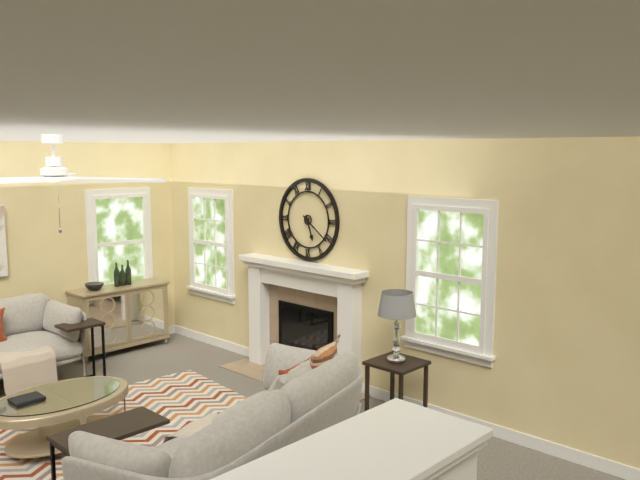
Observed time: 5:21
